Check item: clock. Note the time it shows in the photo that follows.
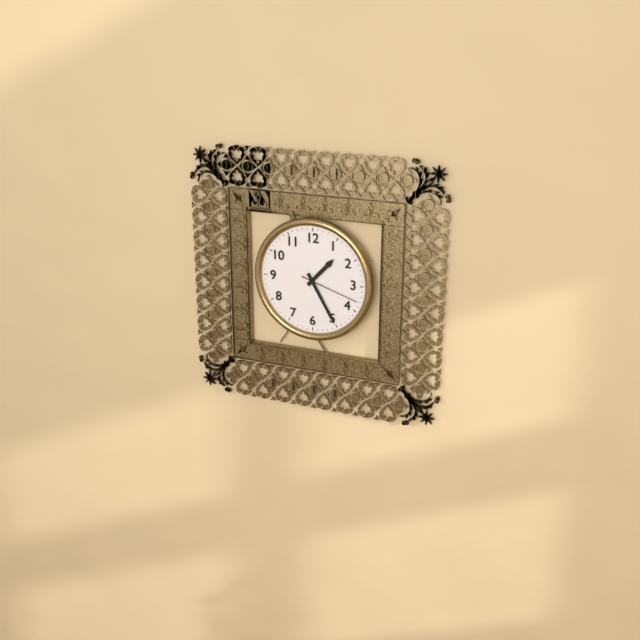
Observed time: 1:25:18
